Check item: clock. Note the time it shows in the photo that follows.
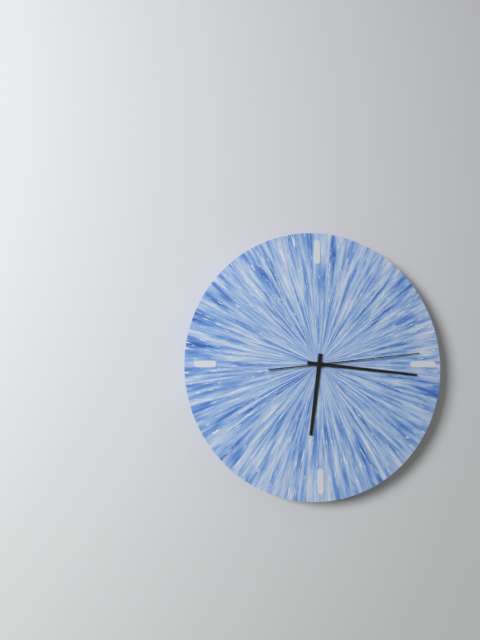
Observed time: 6:16:14
